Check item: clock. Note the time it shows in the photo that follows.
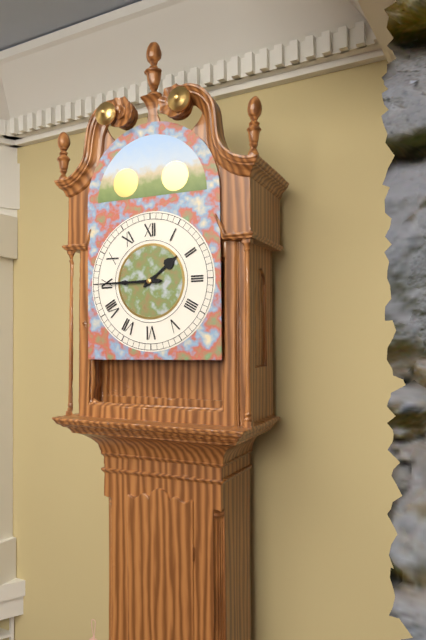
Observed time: 1:45
